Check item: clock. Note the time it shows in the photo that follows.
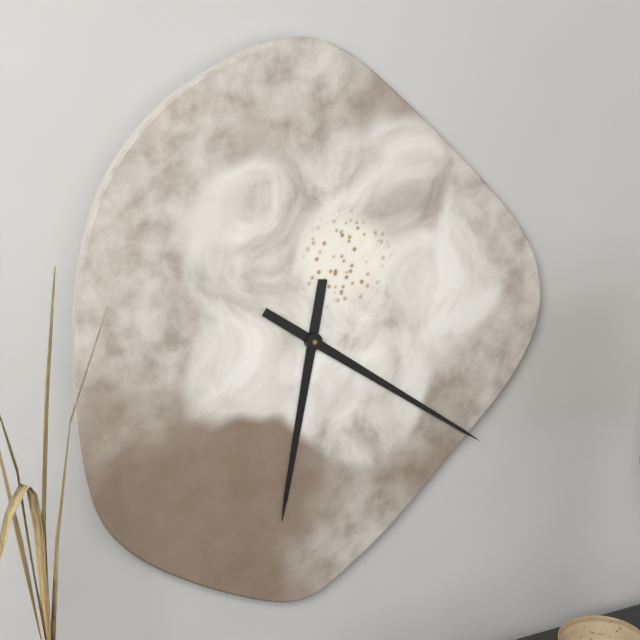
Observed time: 6:21
